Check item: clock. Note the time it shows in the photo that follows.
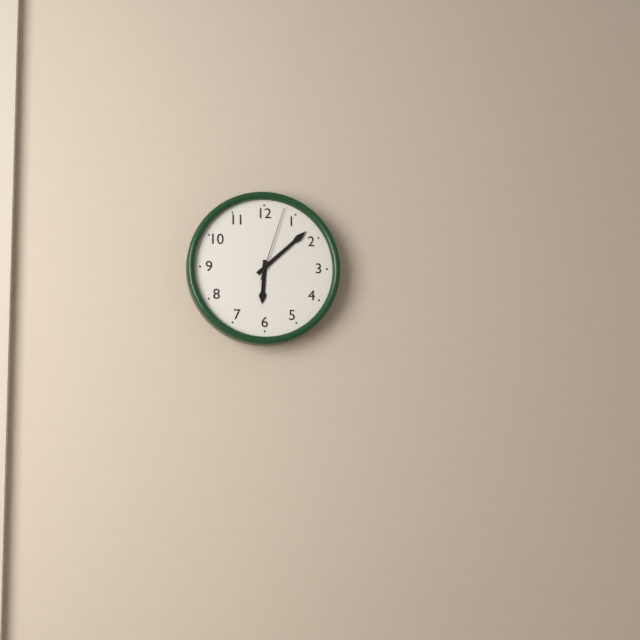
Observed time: 6:08:03
